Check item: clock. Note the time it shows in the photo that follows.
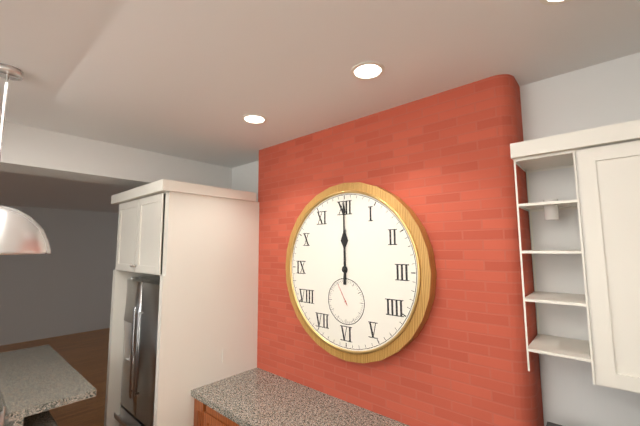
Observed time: 12:00
